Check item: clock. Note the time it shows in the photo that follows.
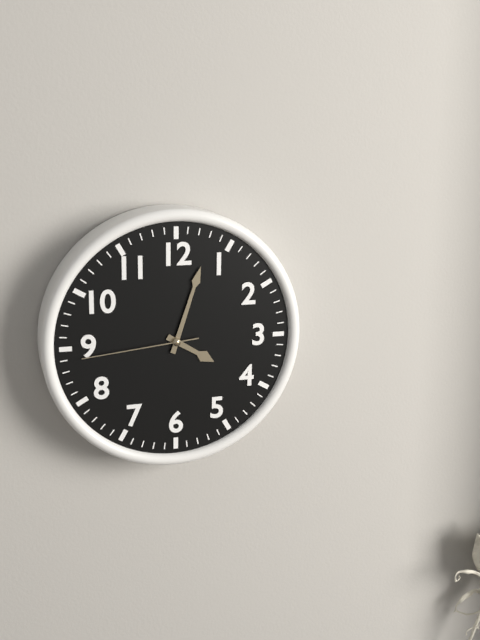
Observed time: 4:03:44
